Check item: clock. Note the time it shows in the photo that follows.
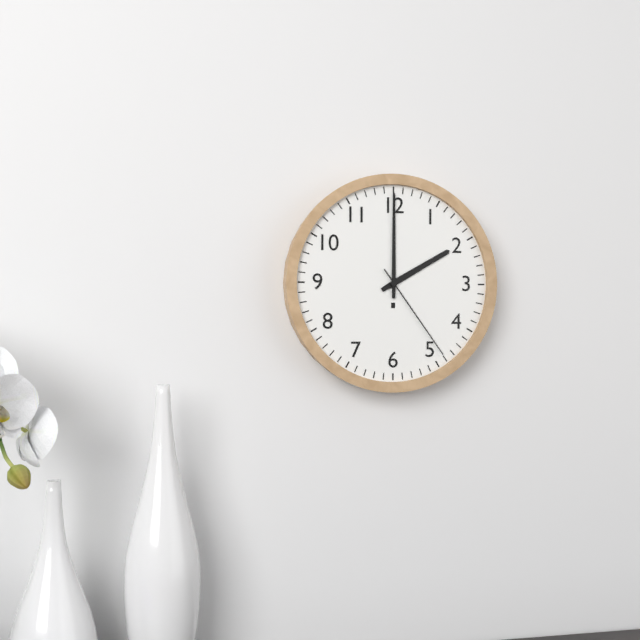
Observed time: 2:00:24
